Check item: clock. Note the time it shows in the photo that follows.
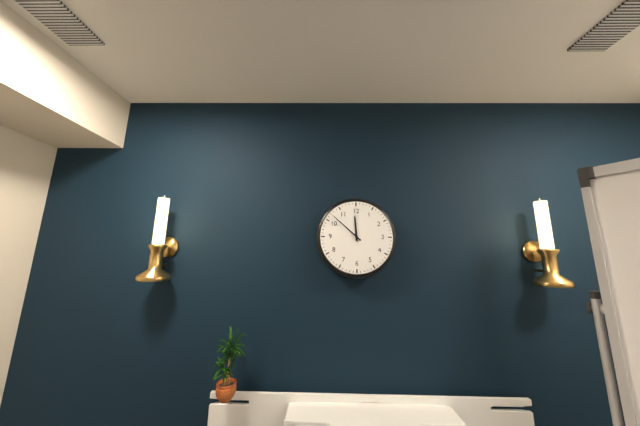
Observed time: 11:52
